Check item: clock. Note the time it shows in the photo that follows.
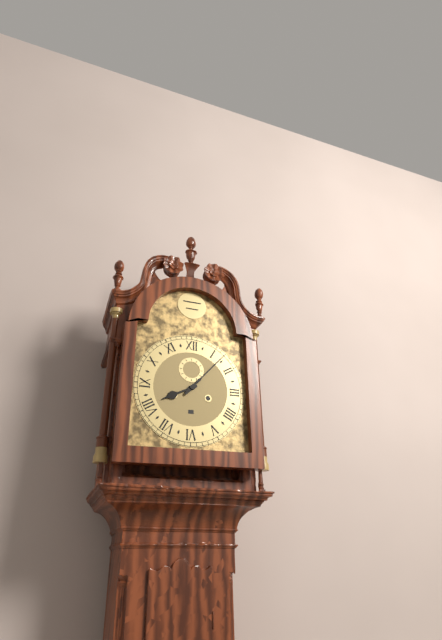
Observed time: 8:07
